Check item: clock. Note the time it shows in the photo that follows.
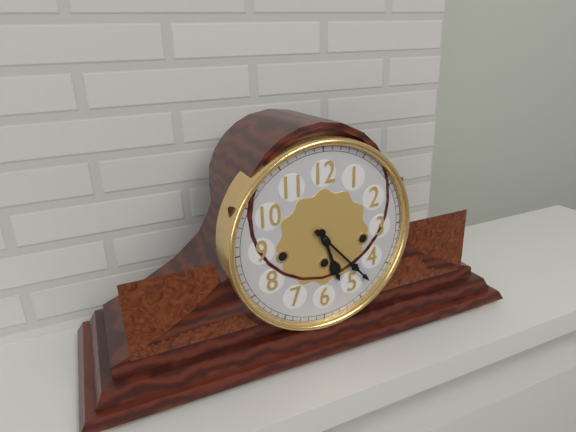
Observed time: 5:23
